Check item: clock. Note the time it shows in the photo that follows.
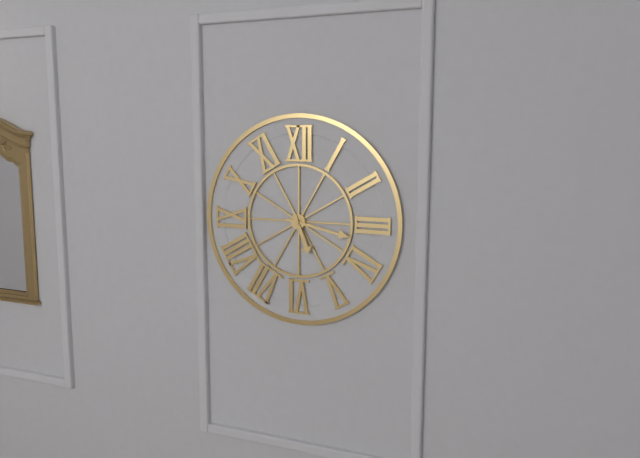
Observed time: 5:17
